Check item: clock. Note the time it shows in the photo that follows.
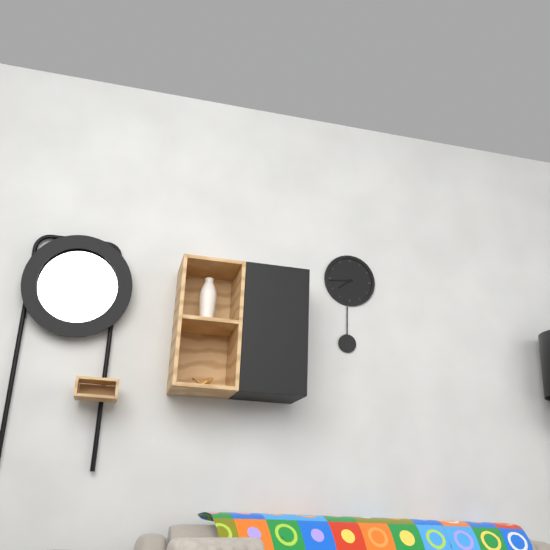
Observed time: 7:44
